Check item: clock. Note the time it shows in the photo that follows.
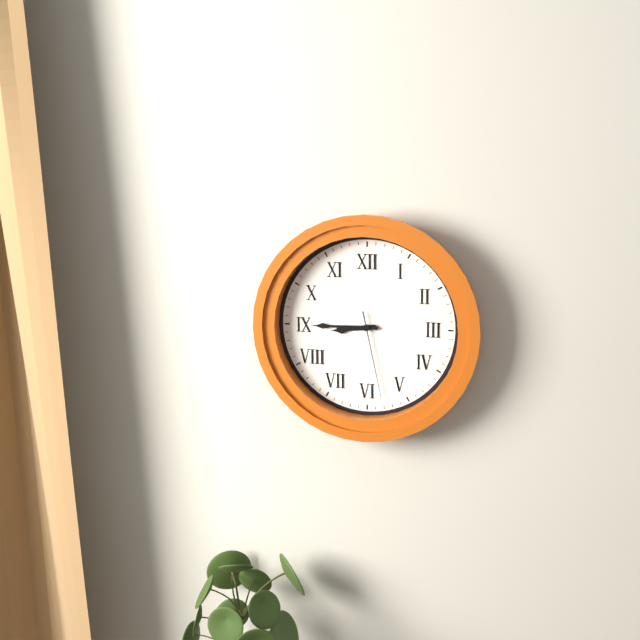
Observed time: 8:45:28
